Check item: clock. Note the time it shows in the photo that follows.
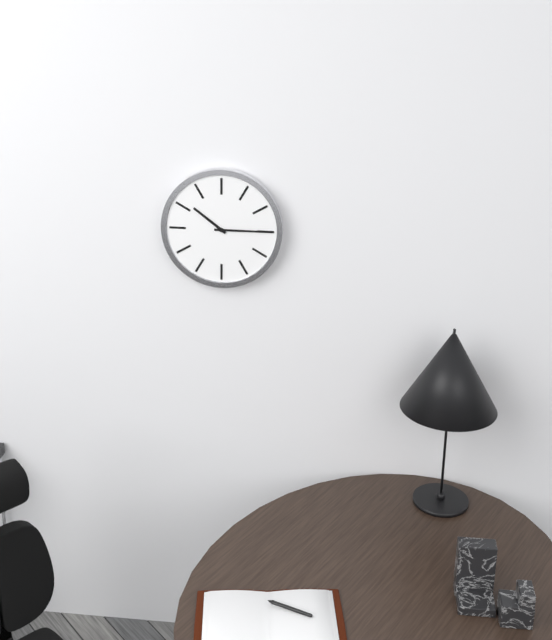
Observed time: 10:15
